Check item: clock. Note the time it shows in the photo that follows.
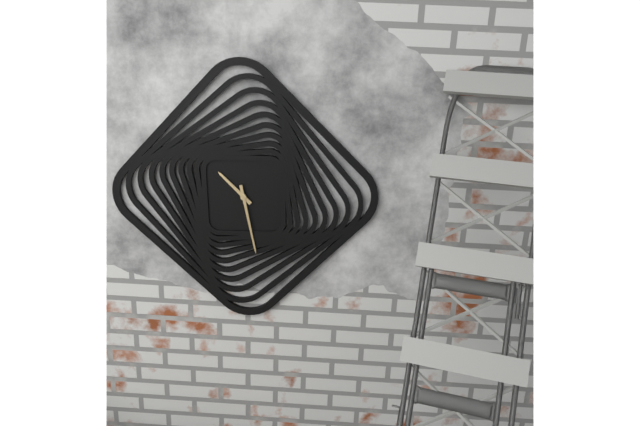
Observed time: 10:28
